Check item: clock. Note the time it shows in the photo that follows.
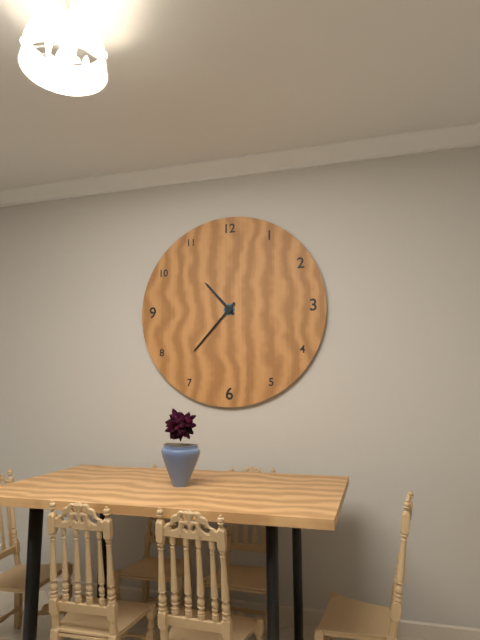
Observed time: 10:37
